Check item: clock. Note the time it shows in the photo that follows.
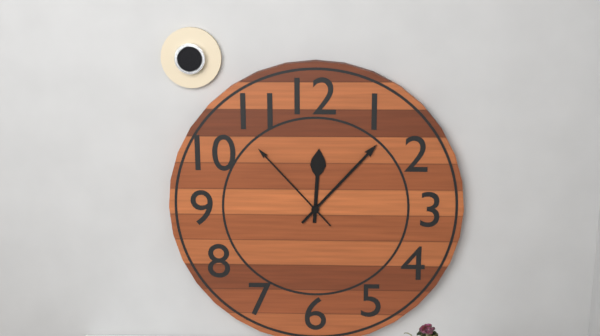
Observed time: 12:07:53
